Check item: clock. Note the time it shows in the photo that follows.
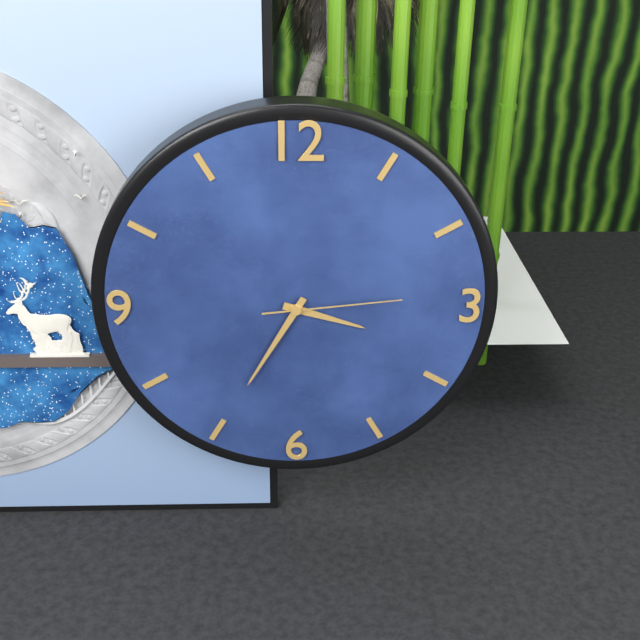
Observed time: 3:35:14
